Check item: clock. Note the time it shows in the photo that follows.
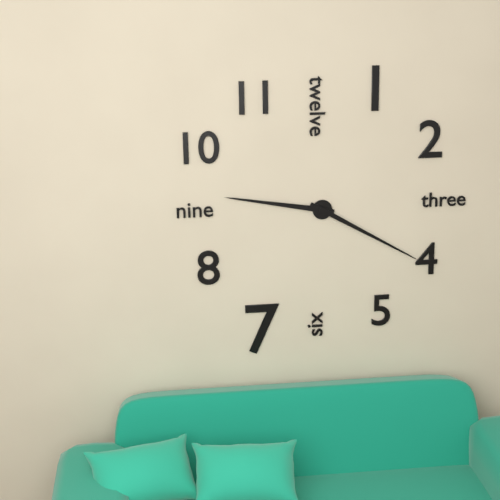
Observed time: 9:20
